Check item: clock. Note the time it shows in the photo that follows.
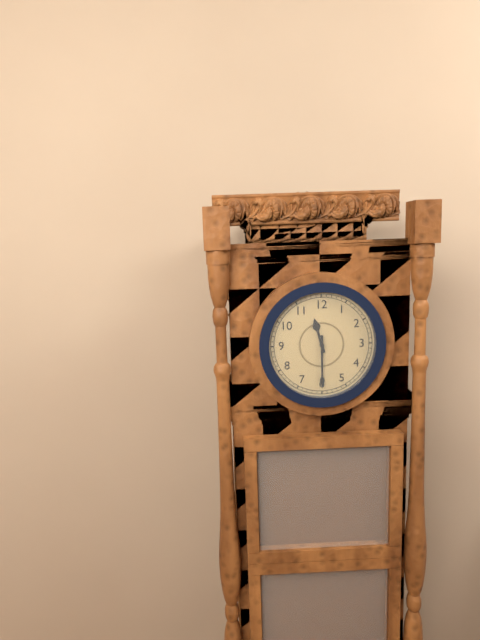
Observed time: 11:30
